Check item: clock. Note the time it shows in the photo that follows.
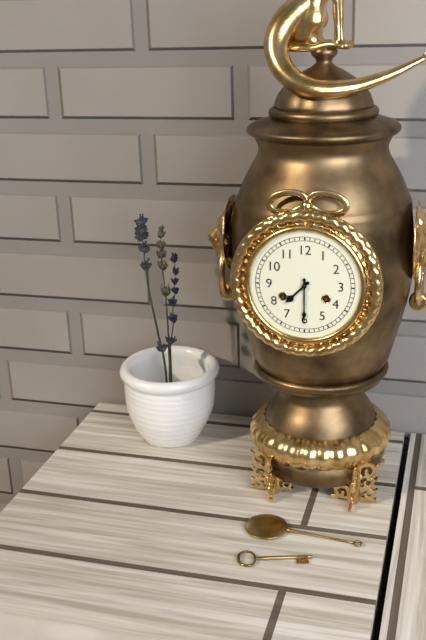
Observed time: 7:30
